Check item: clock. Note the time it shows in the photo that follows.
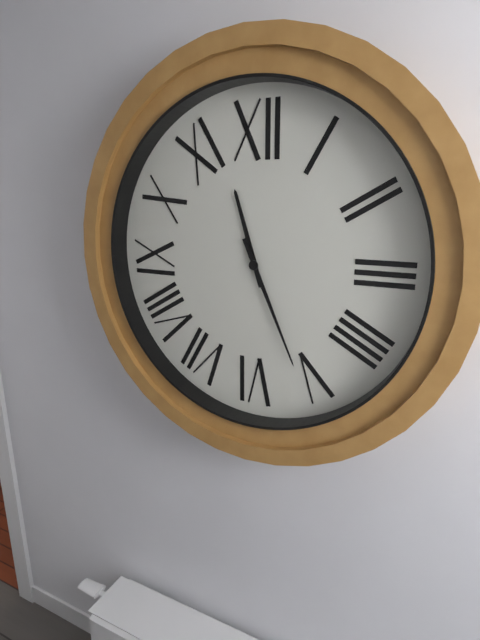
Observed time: 11:26
